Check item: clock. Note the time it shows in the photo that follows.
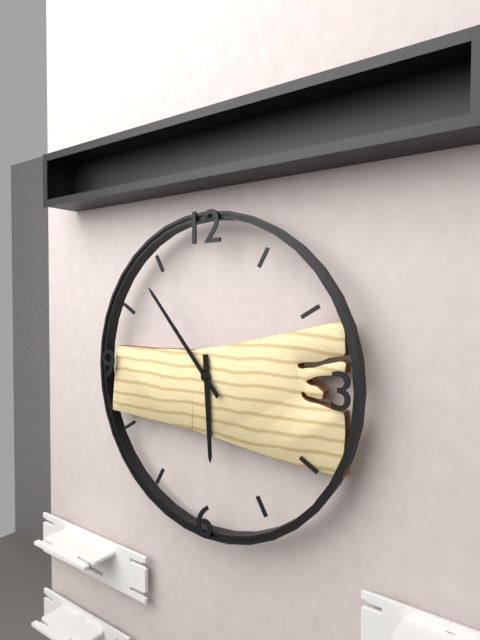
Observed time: 5:53
